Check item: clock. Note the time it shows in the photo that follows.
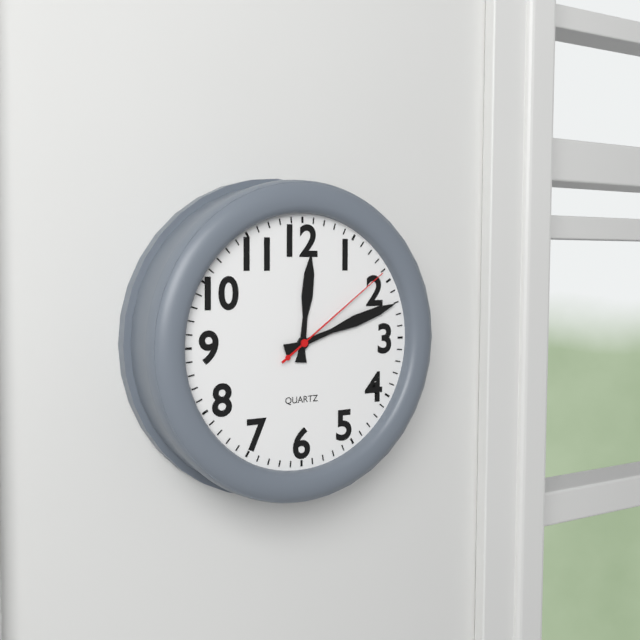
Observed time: 12:12:09
